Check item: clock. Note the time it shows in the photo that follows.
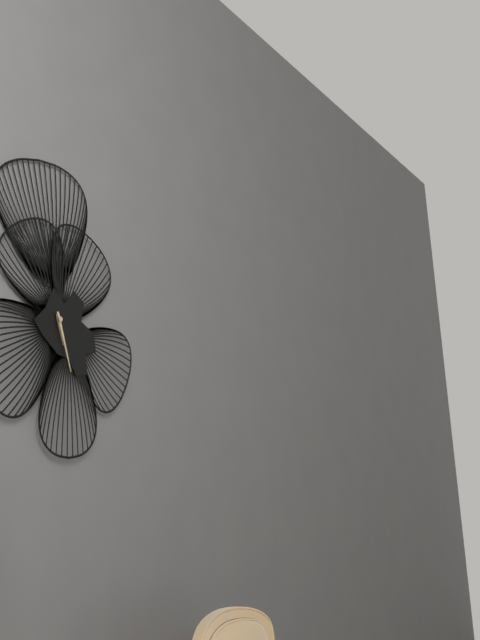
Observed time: 5:27
